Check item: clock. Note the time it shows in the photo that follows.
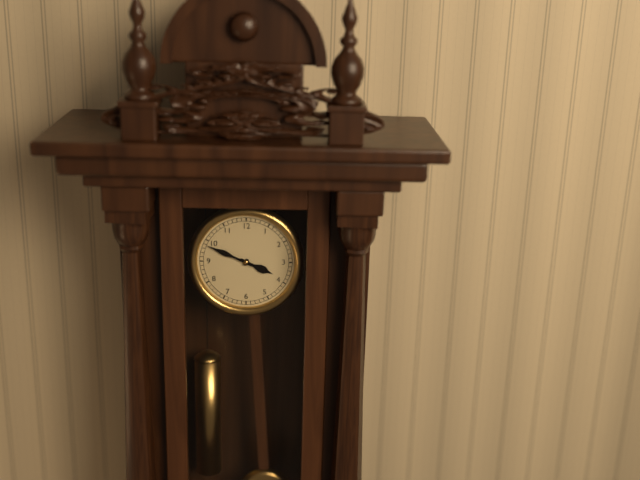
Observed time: 3:49
